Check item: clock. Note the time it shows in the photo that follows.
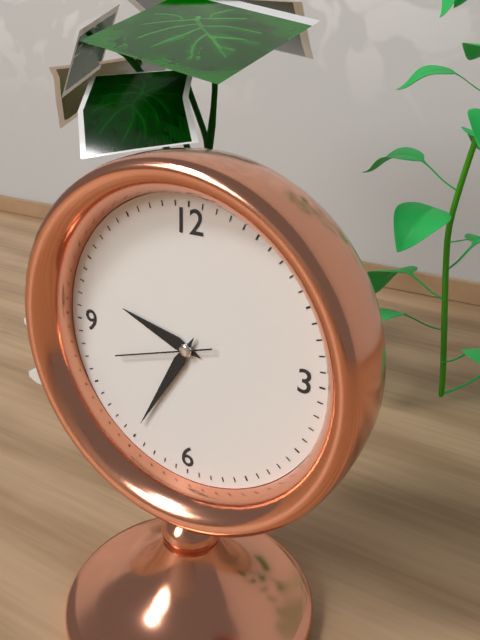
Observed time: 9:35:42
